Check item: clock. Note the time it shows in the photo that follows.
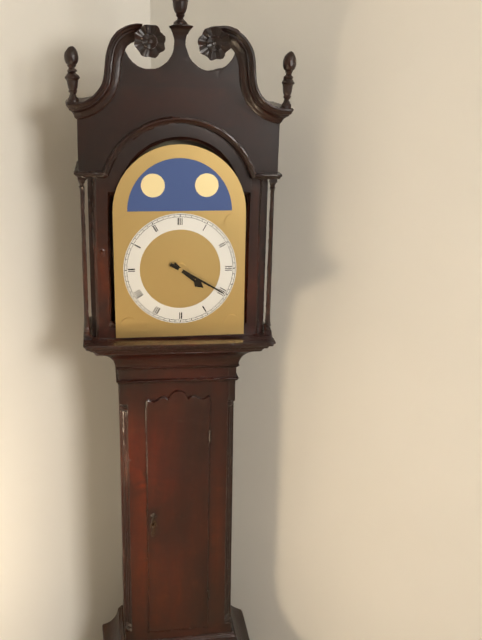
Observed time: 4:20
